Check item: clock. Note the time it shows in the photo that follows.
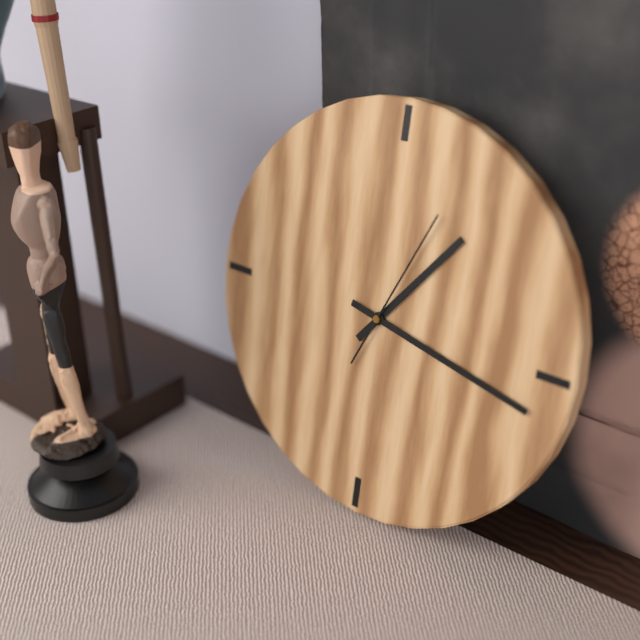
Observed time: 1:17:04
